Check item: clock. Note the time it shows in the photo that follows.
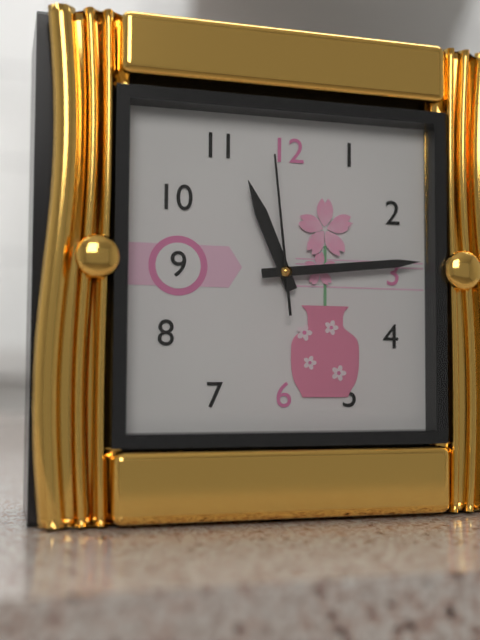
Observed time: 11:14:59
